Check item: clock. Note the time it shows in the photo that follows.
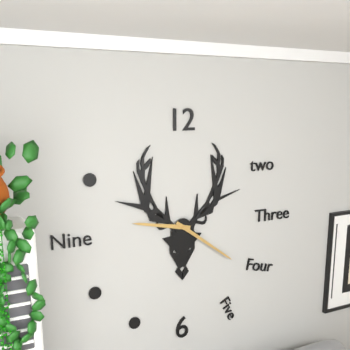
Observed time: 9:21
